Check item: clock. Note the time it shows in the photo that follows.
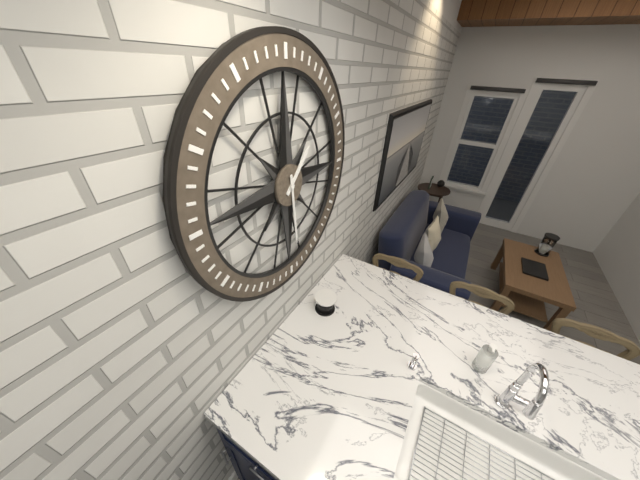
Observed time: 1:29
